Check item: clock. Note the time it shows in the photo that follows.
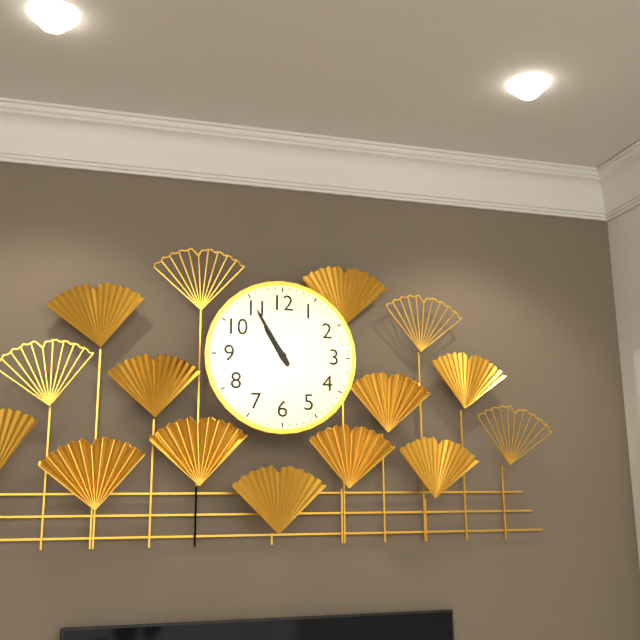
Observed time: 10:55
